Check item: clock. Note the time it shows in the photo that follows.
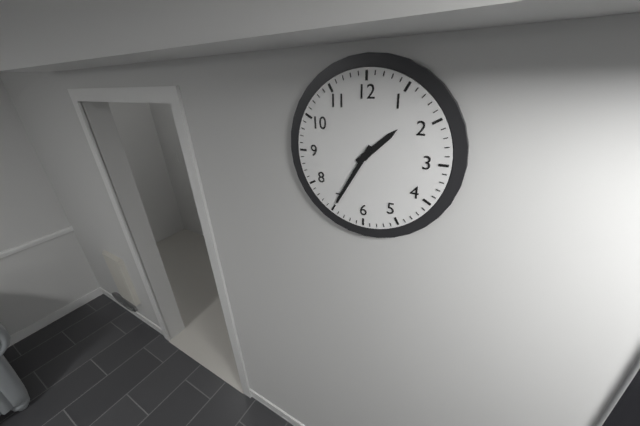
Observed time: 1:35
